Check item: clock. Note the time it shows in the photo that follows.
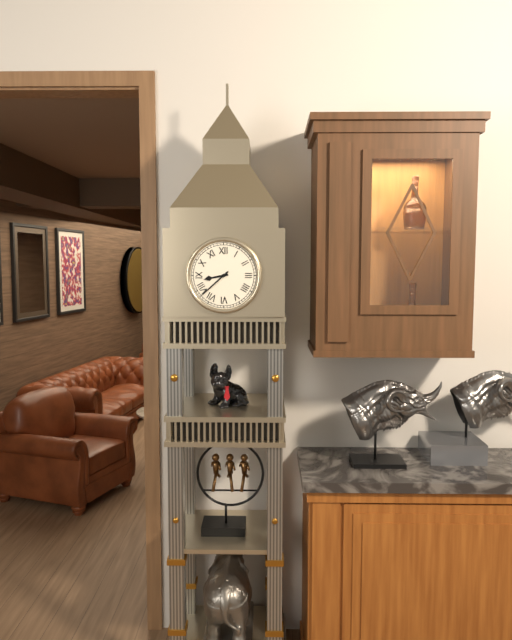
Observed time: 8:38
